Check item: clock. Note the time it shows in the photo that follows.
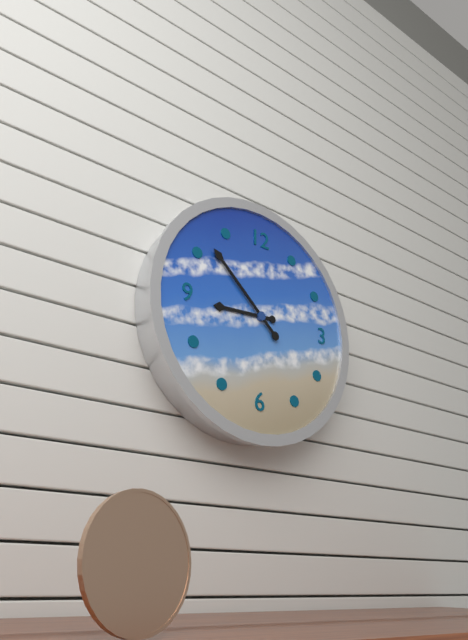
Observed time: 8:52
